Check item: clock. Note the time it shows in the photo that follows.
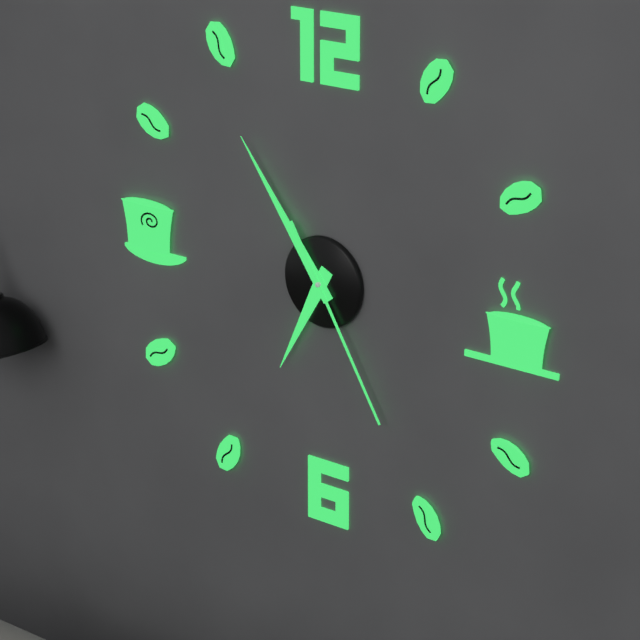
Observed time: 6:54:25
